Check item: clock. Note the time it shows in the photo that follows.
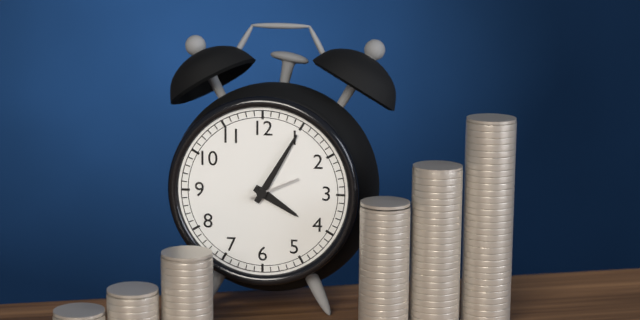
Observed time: 4:05
